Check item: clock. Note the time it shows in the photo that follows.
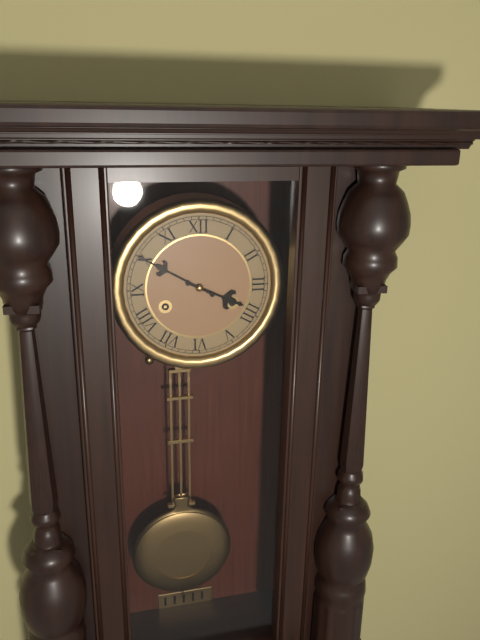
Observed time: 3:50
